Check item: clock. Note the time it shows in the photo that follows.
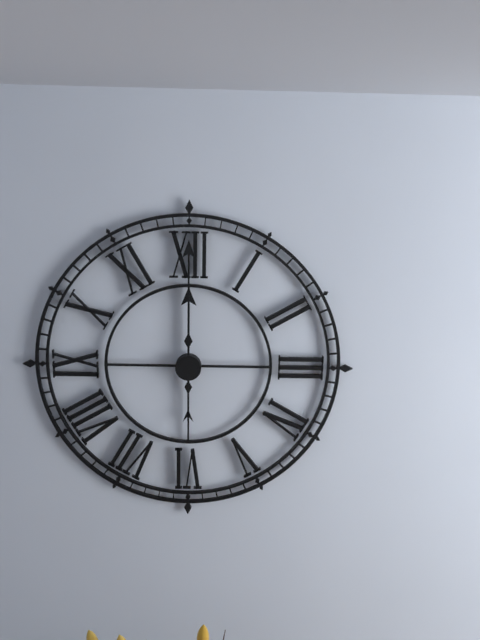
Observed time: 12:00
